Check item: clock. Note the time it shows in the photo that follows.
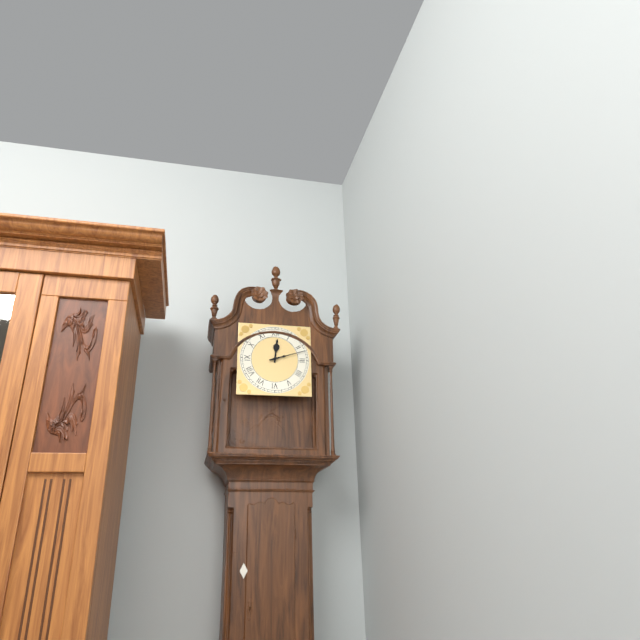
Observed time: 12:12
